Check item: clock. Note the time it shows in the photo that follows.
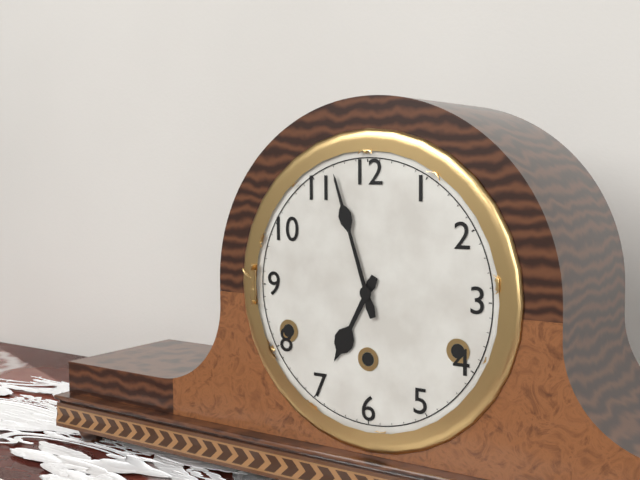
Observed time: 6:57
